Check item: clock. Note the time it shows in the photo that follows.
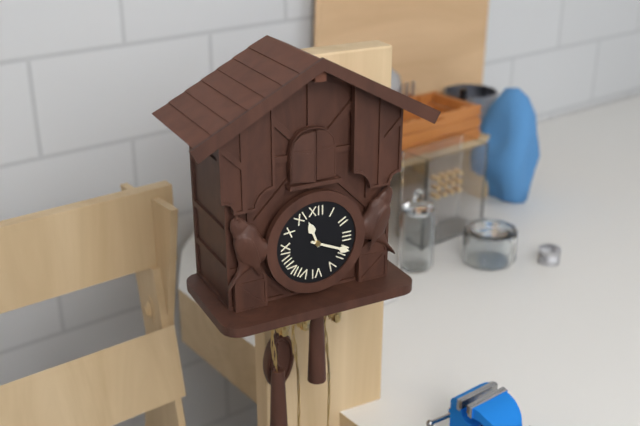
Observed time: 11:19
